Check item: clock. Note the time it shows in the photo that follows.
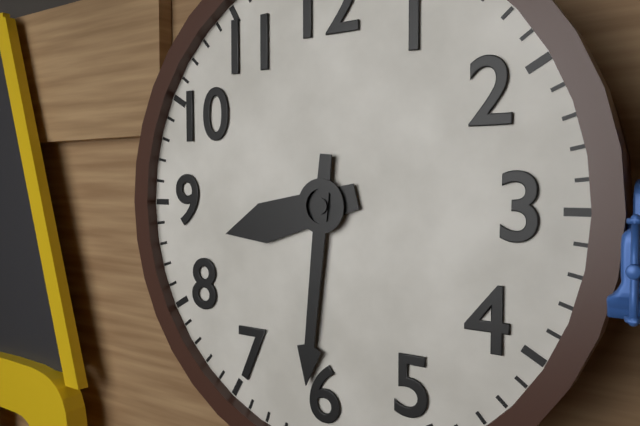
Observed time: 8:31
